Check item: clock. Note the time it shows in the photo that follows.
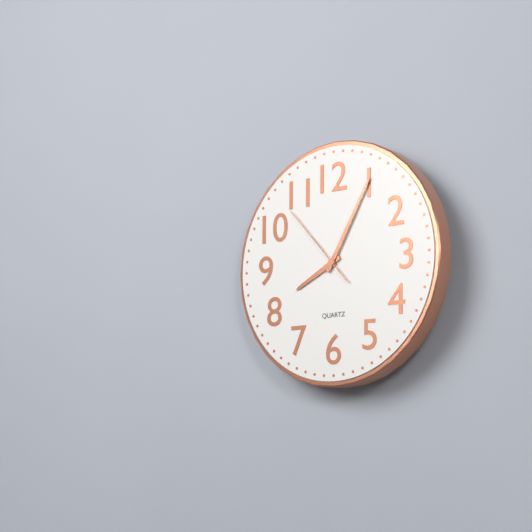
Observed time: 8:05:53
